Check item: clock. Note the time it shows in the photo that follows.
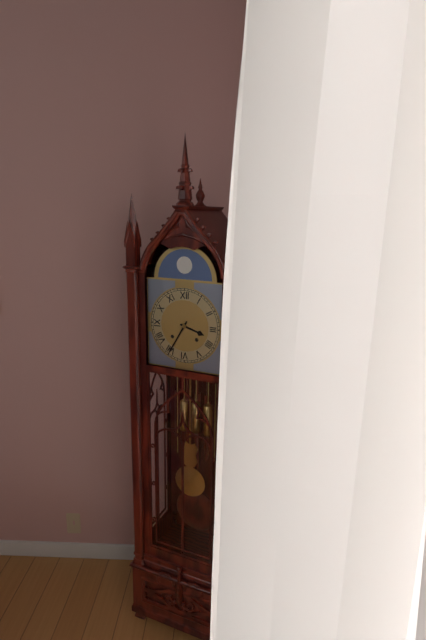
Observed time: 3:35
